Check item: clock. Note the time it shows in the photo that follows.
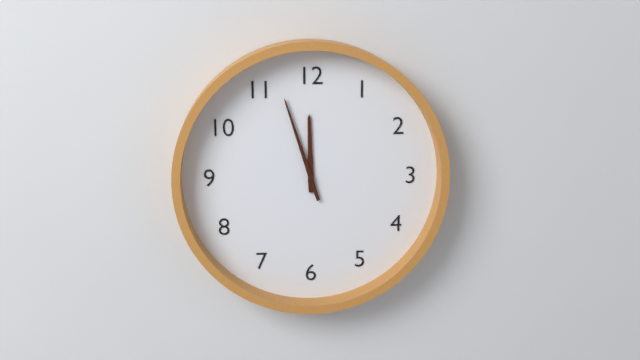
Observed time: 11:57
